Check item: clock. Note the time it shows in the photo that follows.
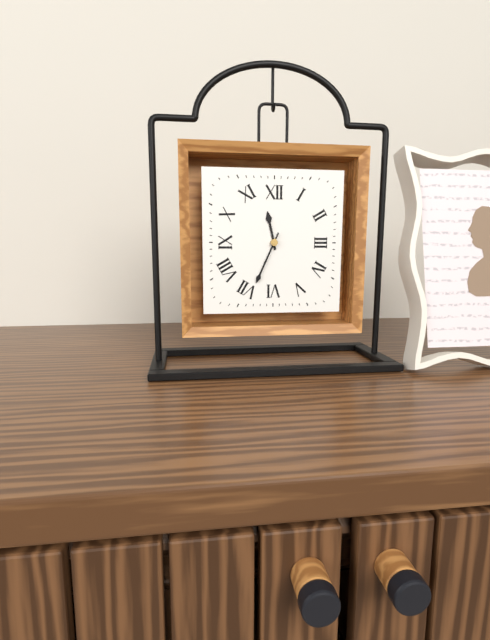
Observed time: 11:34
